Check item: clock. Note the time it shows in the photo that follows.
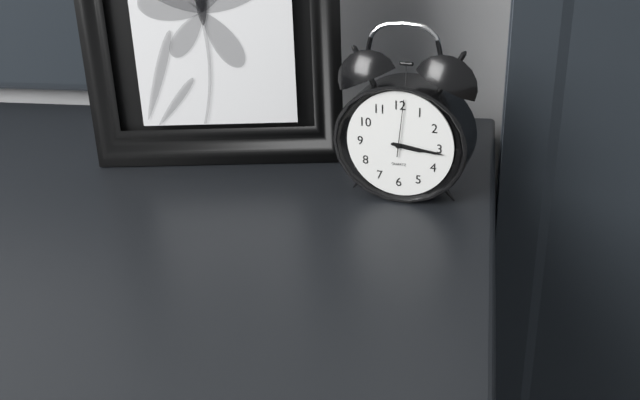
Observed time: 3:16:01
